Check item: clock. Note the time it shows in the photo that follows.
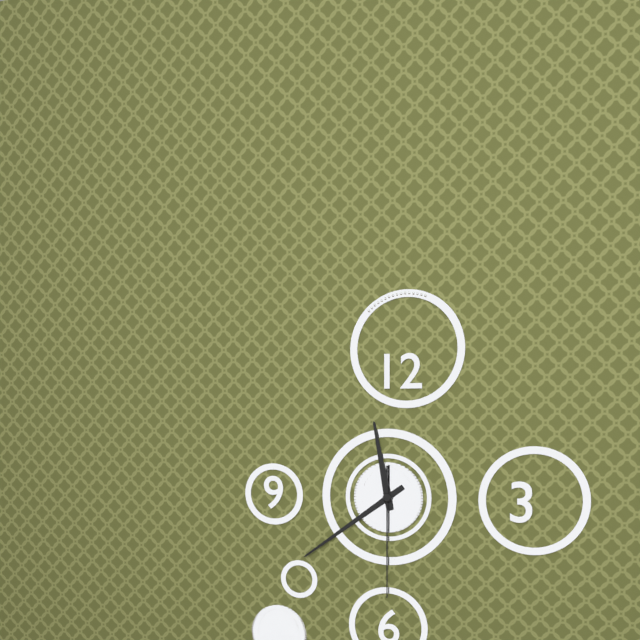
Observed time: 11:39:30
